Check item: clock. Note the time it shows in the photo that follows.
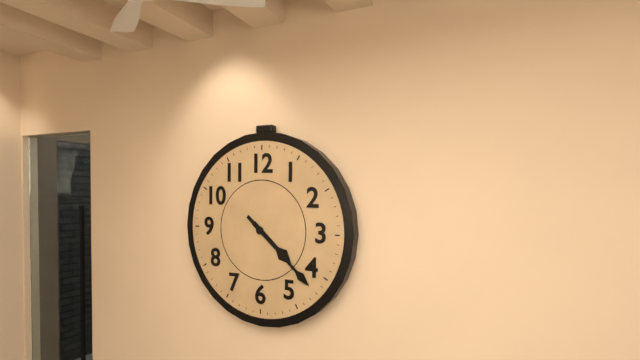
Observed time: 4:22
